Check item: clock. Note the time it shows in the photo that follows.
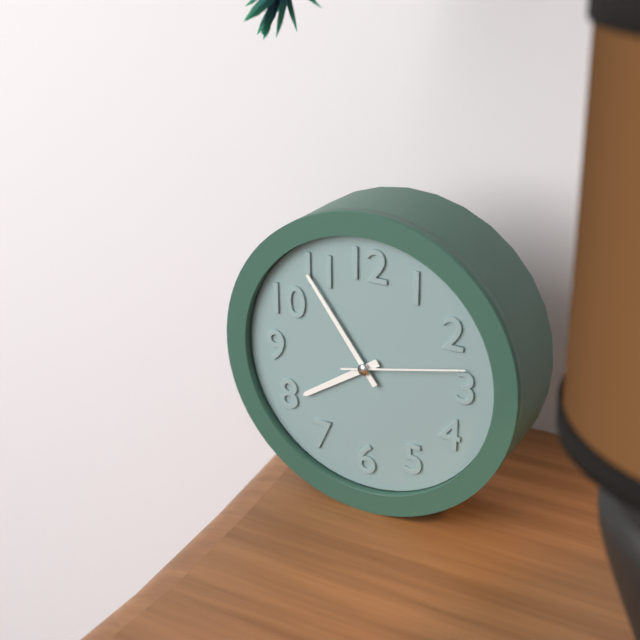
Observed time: 7:54:13
